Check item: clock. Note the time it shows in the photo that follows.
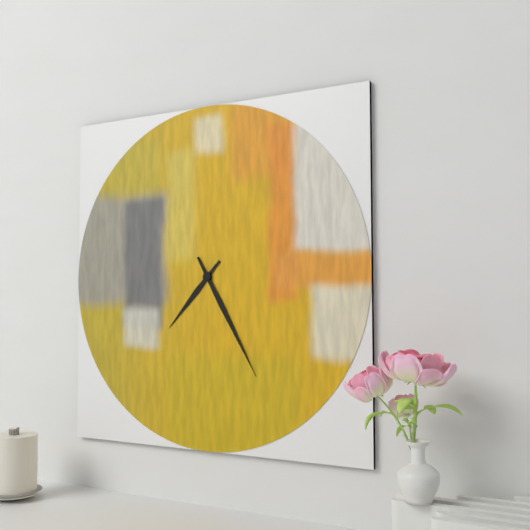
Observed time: 7:25
